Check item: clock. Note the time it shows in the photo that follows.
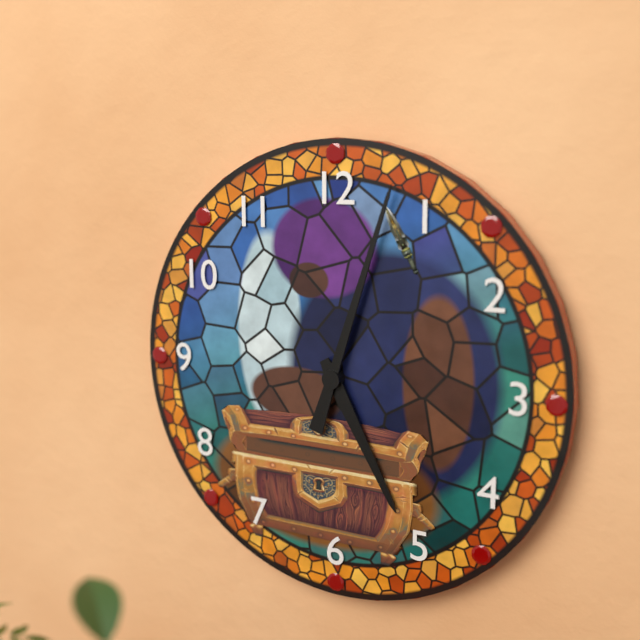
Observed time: 5:03
